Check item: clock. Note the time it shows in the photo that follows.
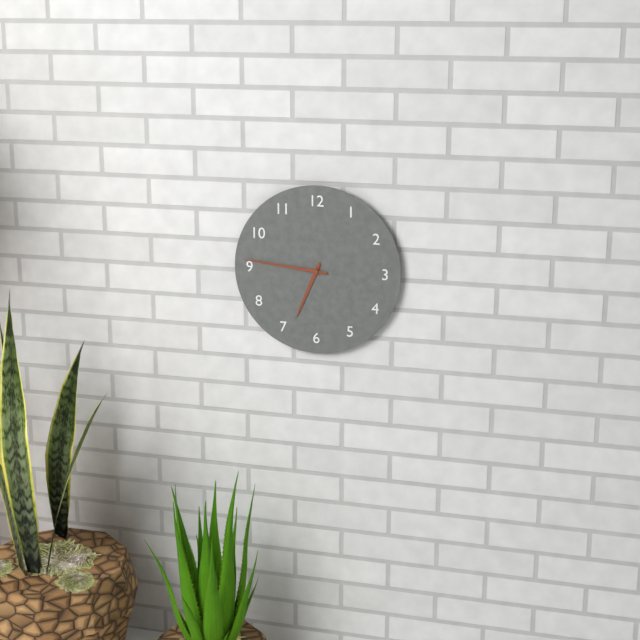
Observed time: 6:46
